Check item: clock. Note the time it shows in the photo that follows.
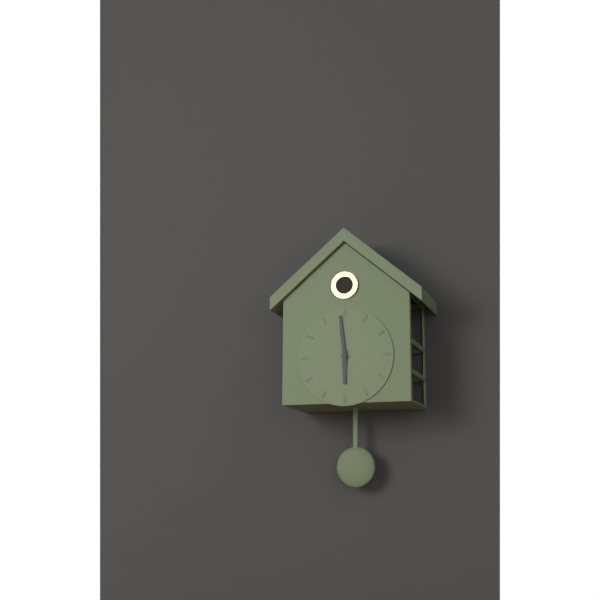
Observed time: 5:59
